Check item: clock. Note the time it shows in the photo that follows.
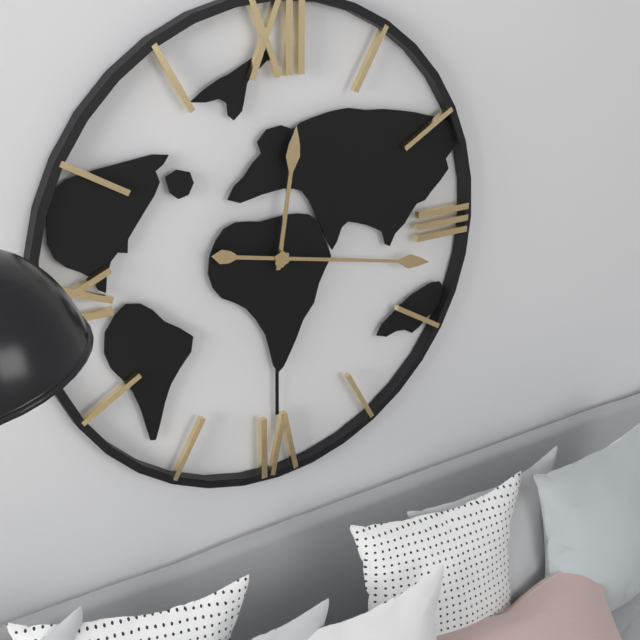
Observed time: 12:17
